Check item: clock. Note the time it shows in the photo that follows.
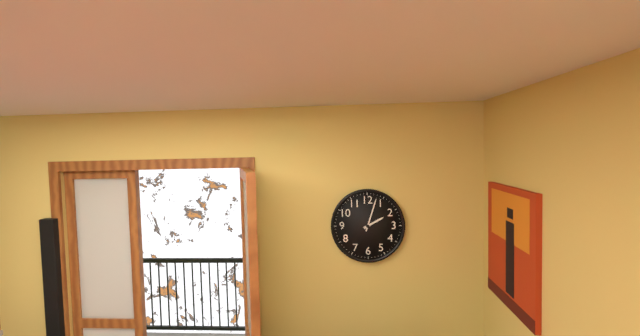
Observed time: 2:03
